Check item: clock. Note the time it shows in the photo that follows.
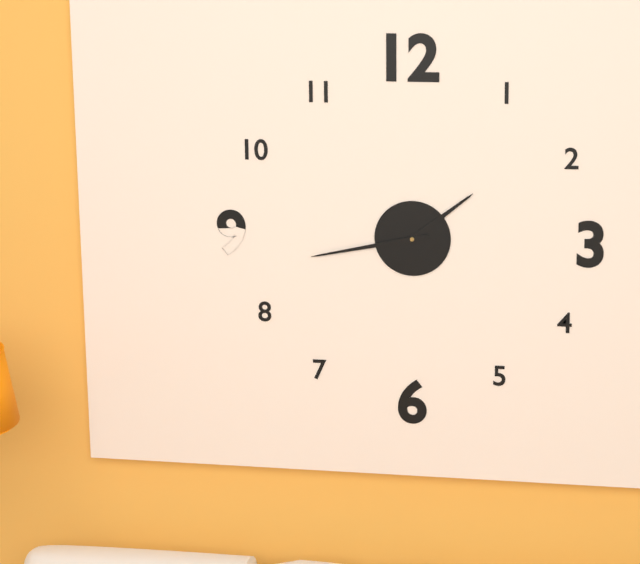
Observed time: 1:43
